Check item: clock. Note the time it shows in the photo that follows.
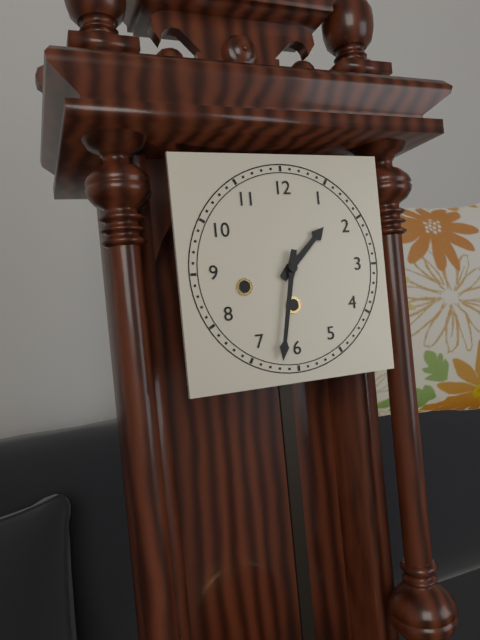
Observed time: 1:32
